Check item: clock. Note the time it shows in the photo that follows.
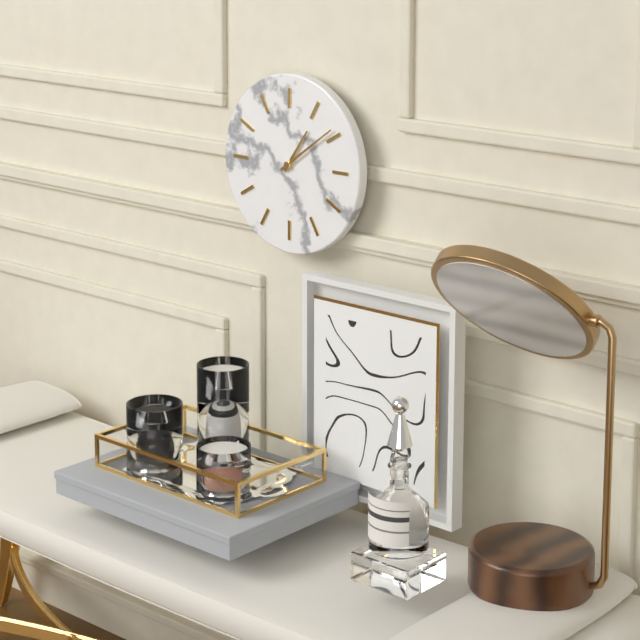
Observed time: 1:09
